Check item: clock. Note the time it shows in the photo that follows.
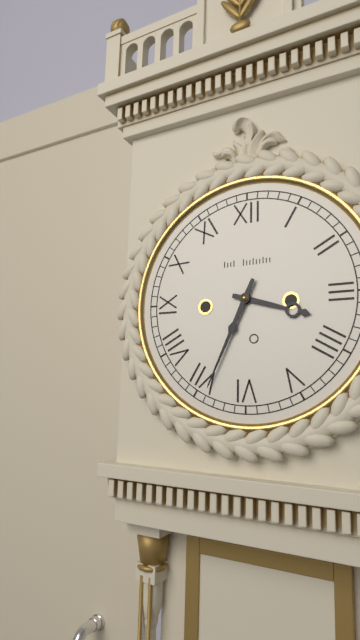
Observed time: 3:34
